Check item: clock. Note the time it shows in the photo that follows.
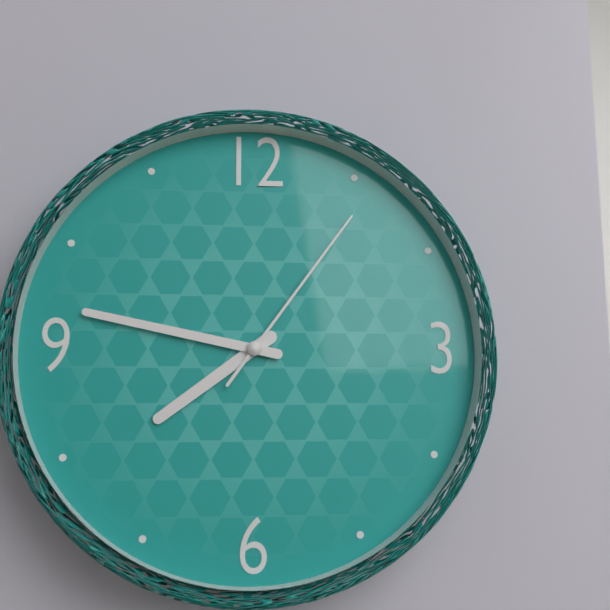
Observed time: 7:47:06
